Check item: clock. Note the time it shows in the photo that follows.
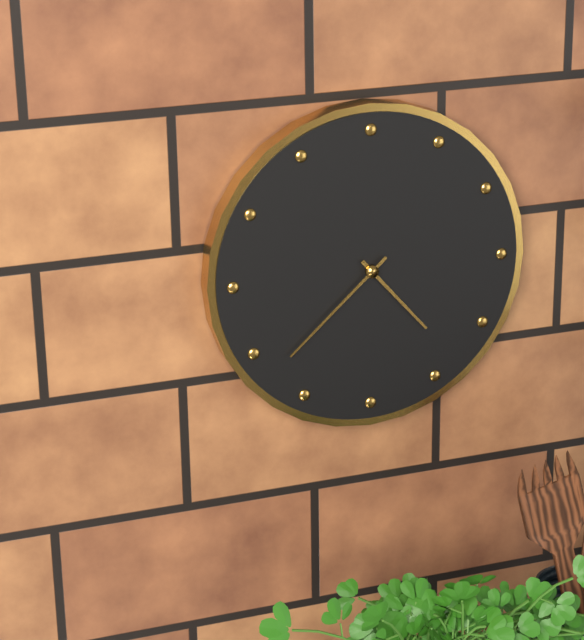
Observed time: 4:38
